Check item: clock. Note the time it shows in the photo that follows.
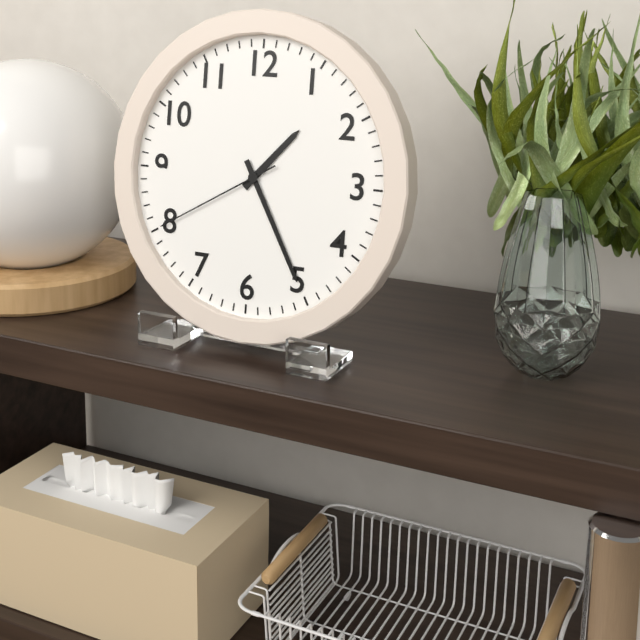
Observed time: 1:25:40
